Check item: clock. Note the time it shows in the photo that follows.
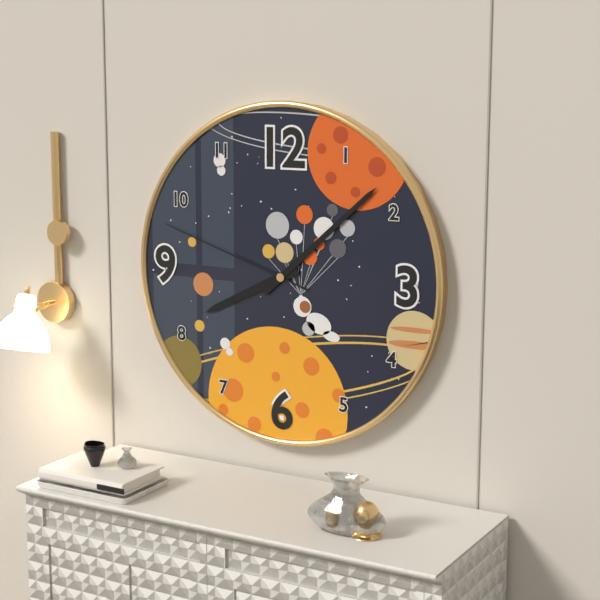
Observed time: 8:08:48
